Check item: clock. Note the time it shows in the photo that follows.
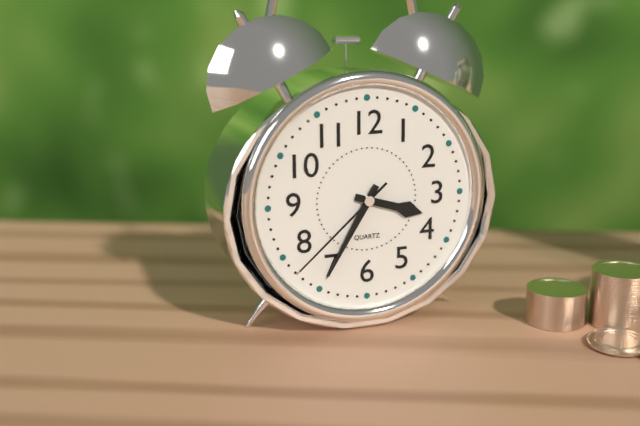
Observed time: 3:35:38
